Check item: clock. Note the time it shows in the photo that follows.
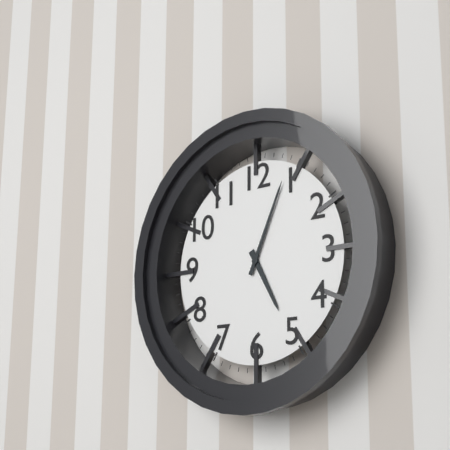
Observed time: 5:04
